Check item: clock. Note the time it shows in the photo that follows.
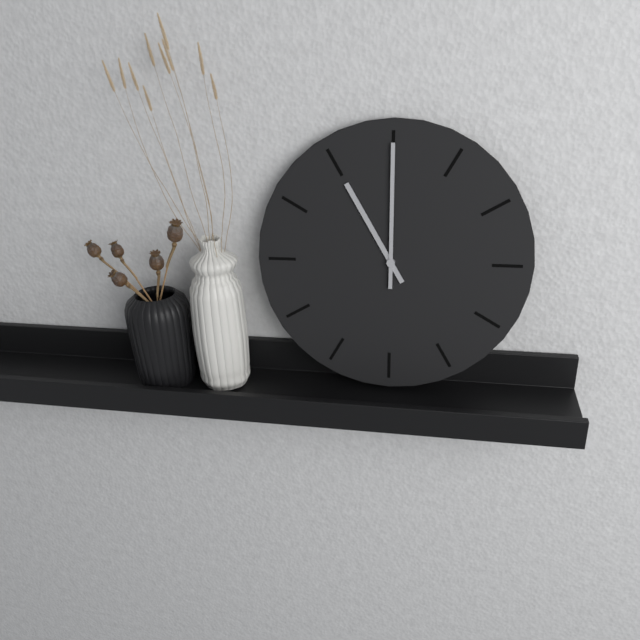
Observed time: 11:00
